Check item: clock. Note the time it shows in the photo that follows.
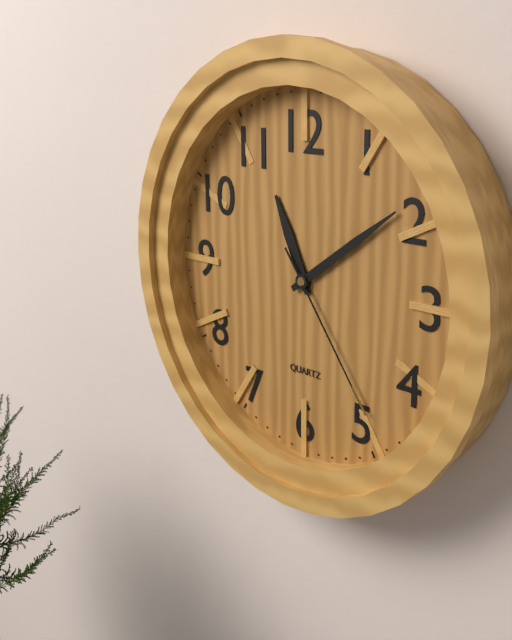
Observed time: 11:09:24
